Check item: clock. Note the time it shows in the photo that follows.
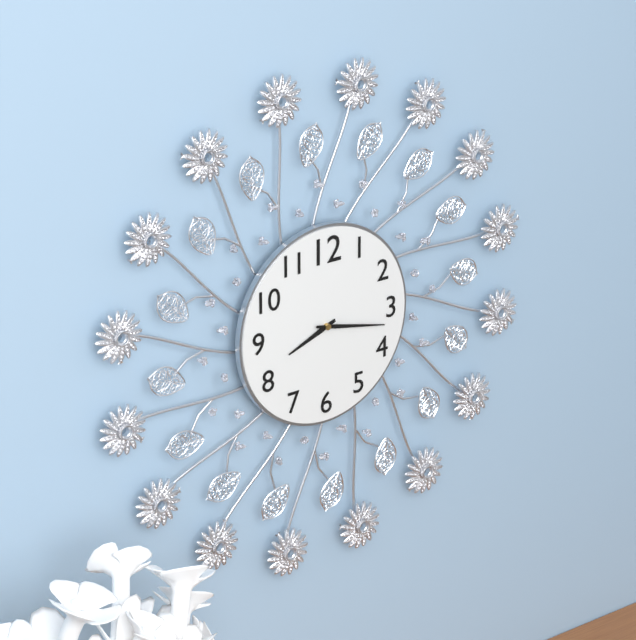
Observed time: 8:17
